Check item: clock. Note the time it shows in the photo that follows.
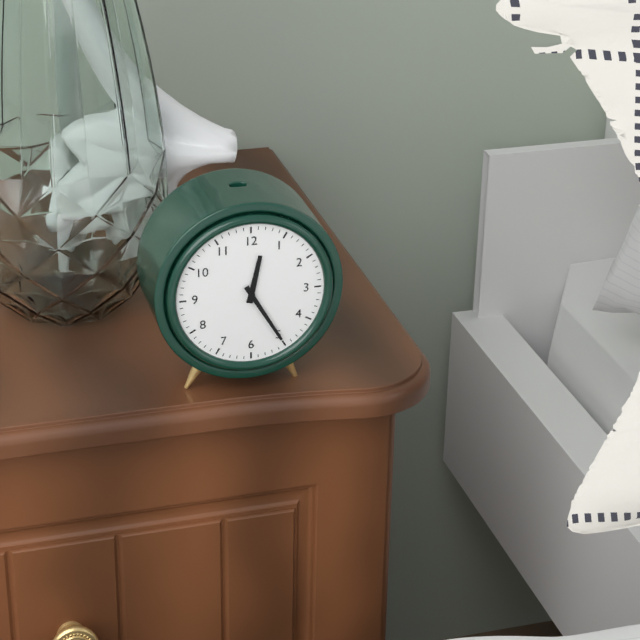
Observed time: 12:25
